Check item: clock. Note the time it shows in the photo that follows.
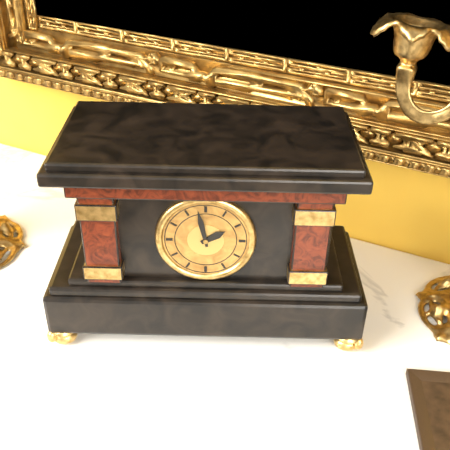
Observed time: 1:58
